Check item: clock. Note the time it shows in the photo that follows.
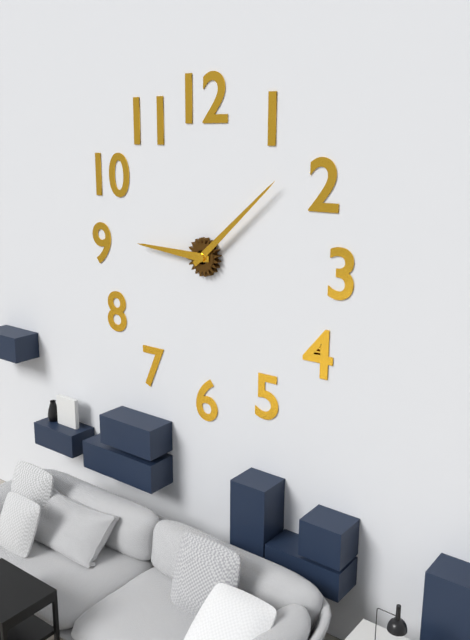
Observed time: 9:08
